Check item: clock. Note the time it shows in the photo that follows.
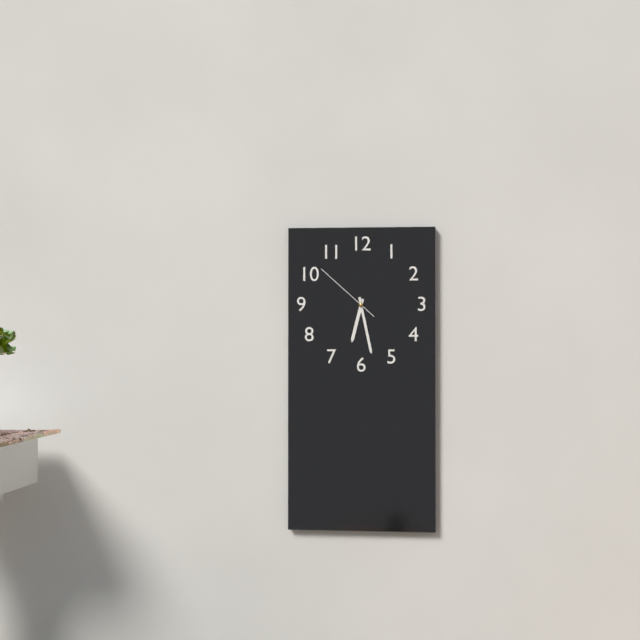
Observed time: 6:28:52
